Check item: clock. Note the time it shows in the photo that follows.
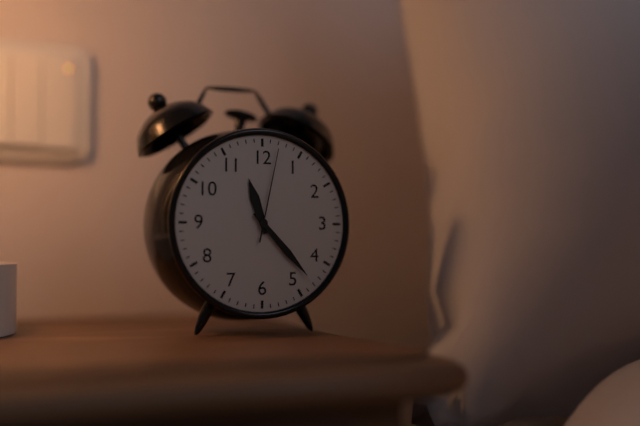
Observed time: 11:23:02
